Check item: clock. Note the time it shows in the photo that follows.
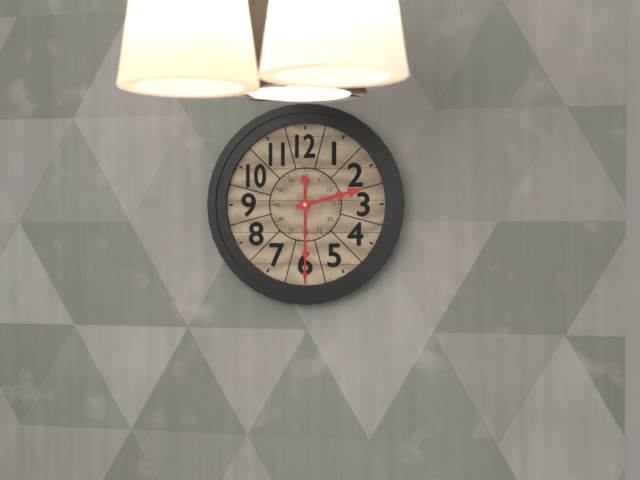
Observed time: 2:30
